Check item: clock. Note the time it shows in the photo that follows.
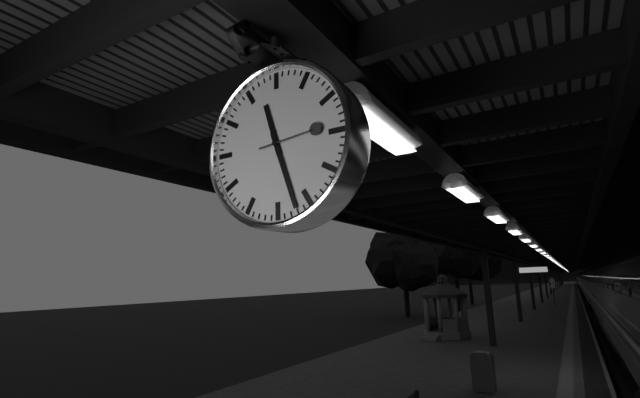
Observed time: 11:27:14
